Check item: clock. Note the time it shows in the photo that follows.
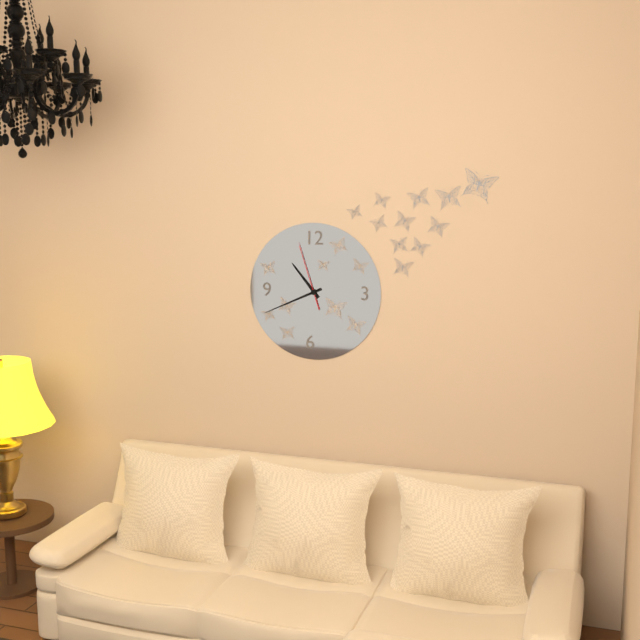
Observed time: 10:41:57
